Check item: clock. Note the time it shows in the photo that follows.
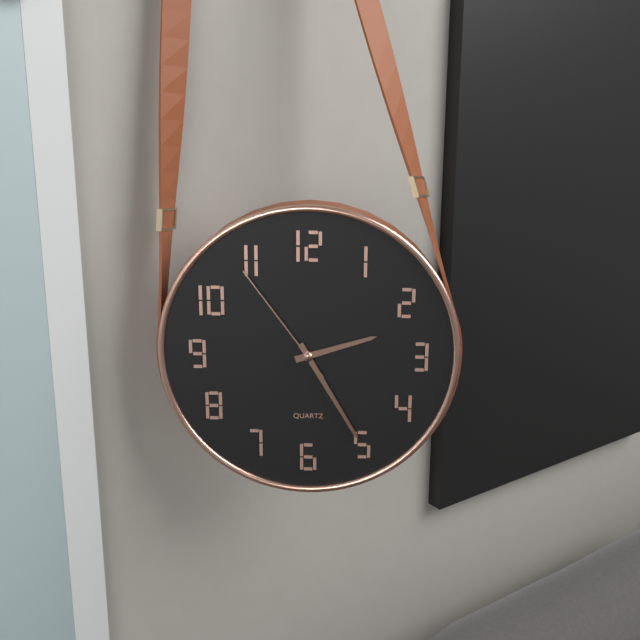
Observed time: 2:25:54
